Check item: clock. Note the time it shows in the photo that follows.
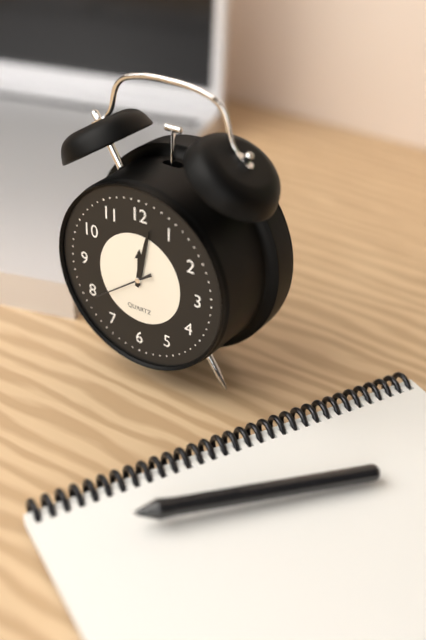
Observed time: 12:02:39
